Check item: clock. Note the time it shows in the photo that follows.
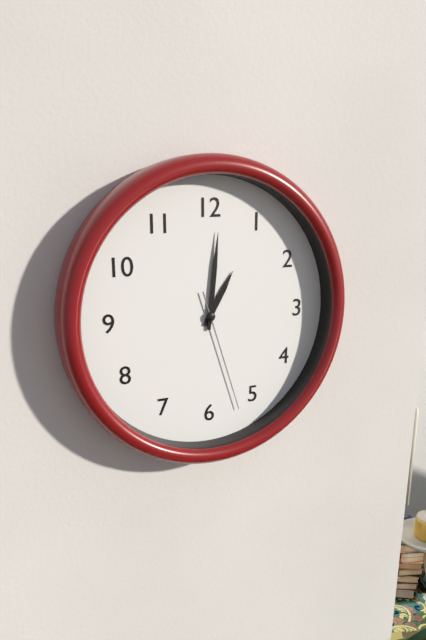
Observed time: 1:01:27
